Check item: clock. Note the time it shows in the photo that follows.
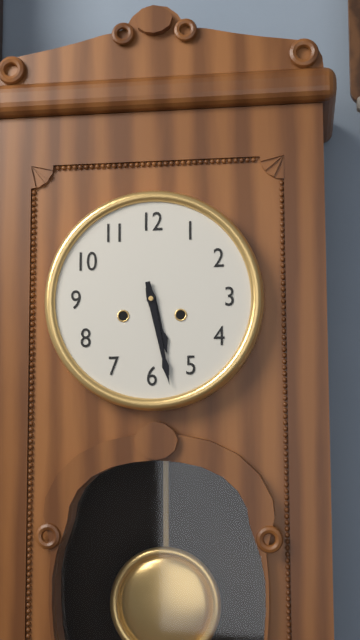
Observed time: 5:28
